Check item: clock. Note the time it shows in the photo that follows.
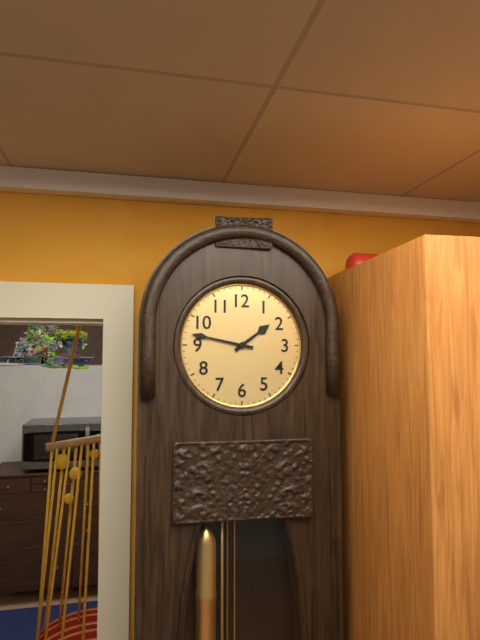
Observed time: 1:47
